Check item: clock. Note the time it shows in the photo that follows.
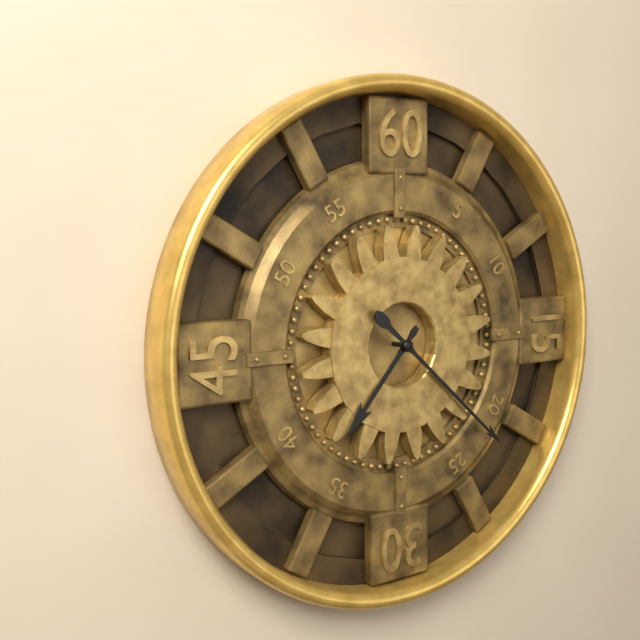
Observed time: 7:22
